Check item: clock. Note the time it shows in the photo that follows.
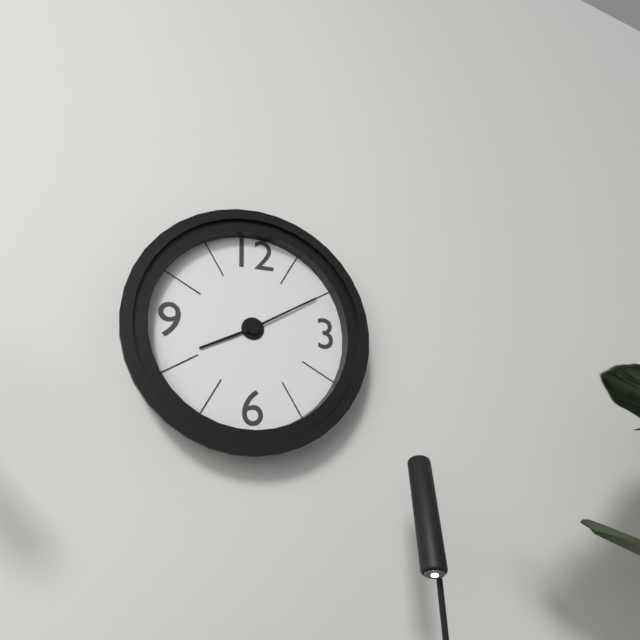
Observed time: 8:10
